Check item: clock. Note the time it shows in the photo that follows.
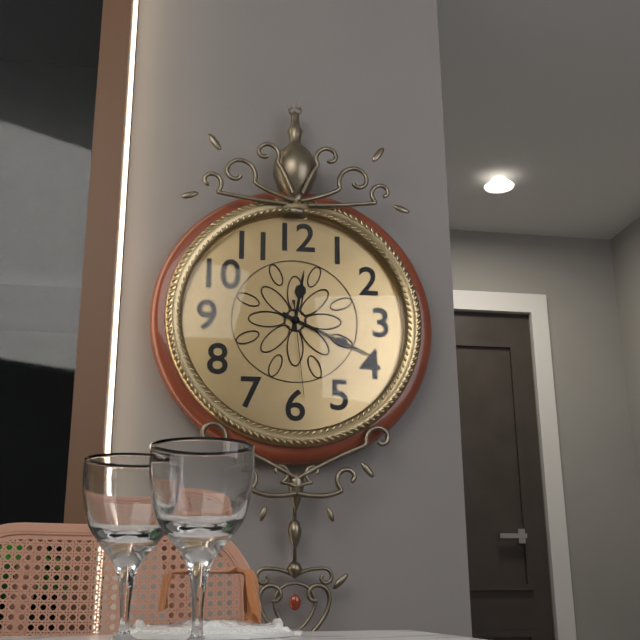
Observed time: 12:19:29
